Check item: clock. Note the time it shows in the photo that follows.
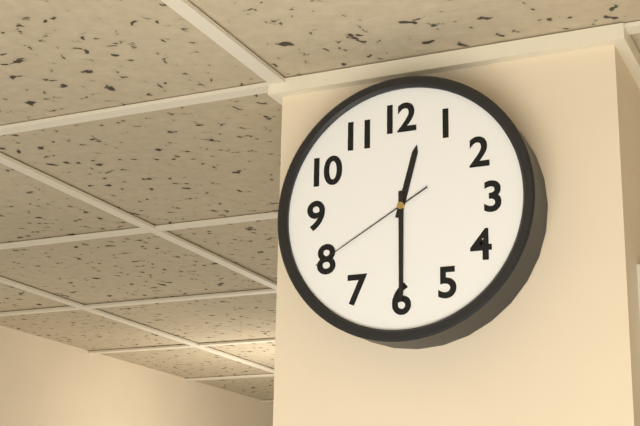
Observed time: 12:30:40
